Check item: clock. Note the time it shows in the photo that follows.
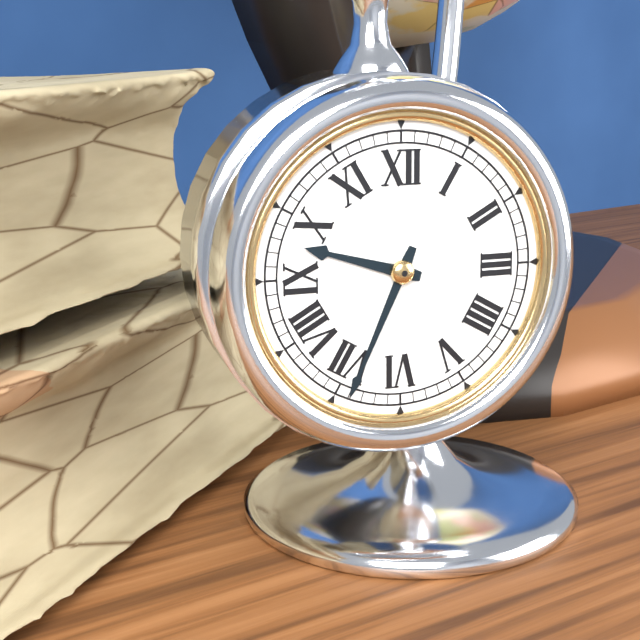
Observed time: 9:34
